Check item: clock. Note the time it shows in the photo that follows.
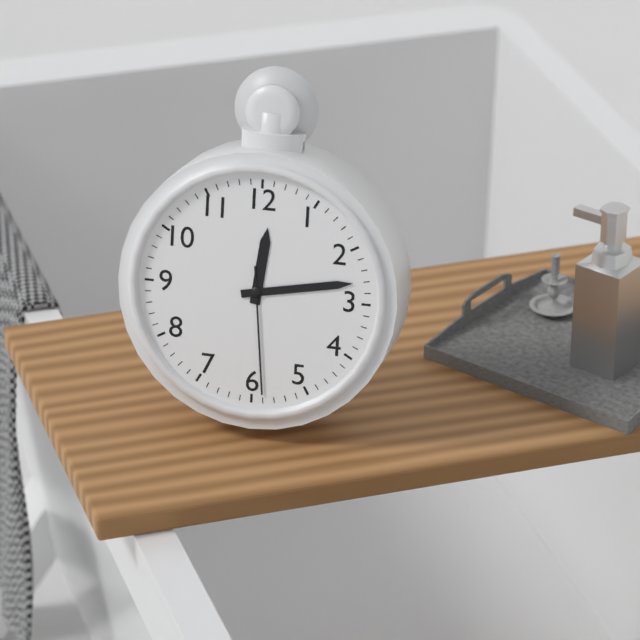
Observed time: 12:13:29
